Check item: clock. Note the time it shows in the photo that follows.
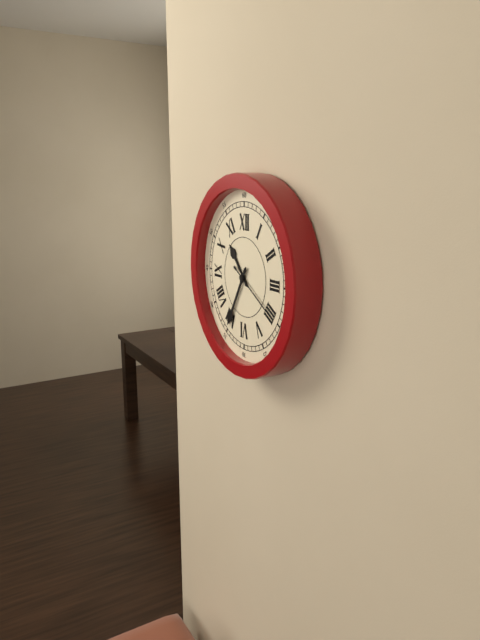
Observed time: 10:35:20
